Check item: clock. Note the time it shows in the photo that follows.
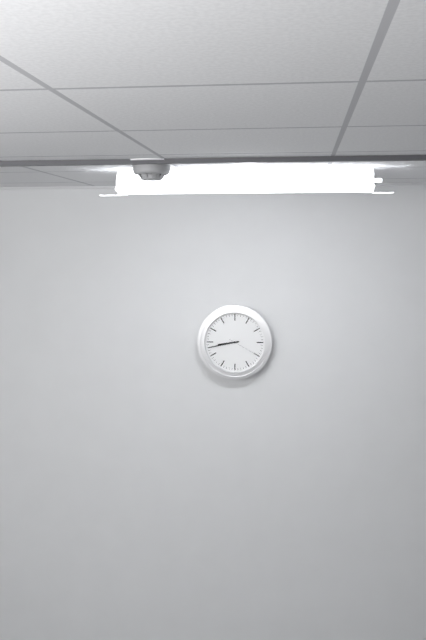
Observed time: 8:43
